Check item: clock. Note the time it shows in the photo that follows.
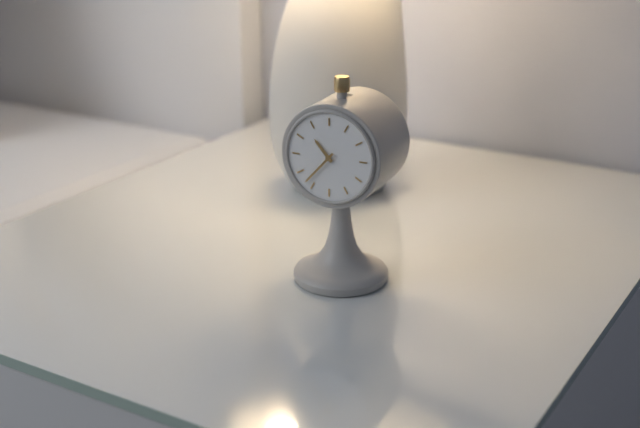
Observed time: 10:37
